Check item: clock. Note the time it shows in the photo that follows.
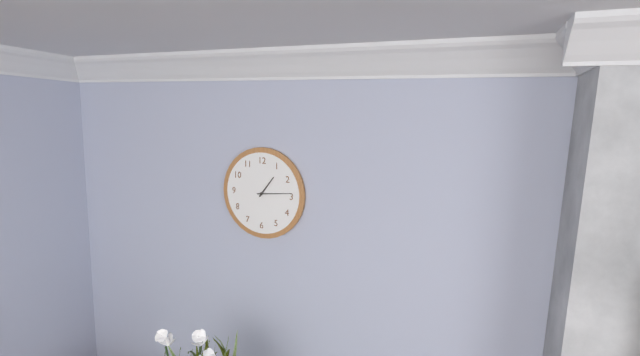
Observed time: 1:14
